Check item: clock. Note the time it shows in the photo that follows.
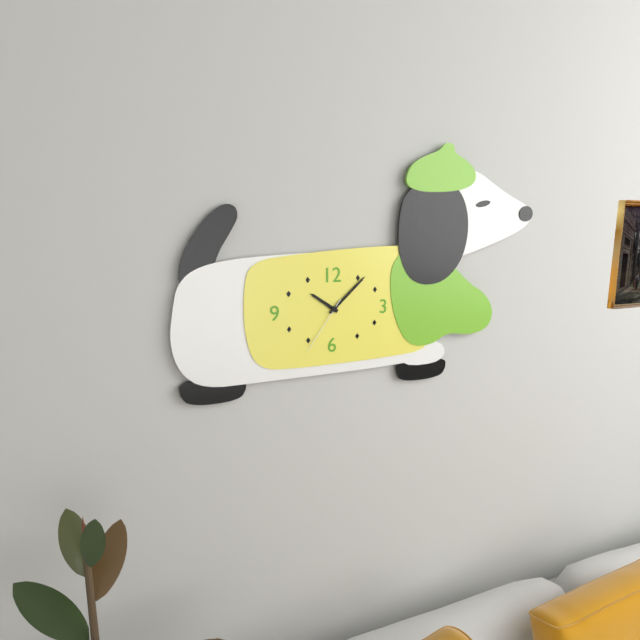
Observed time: 10:08:36
